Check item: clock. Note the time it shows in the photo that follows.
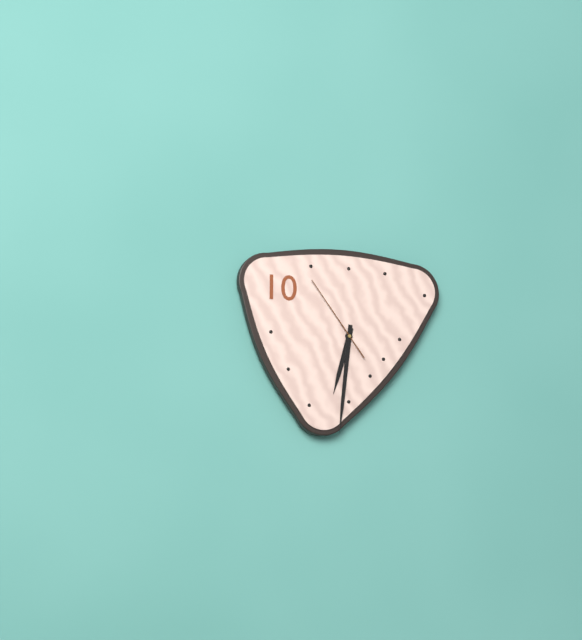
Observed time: 6:31:54
